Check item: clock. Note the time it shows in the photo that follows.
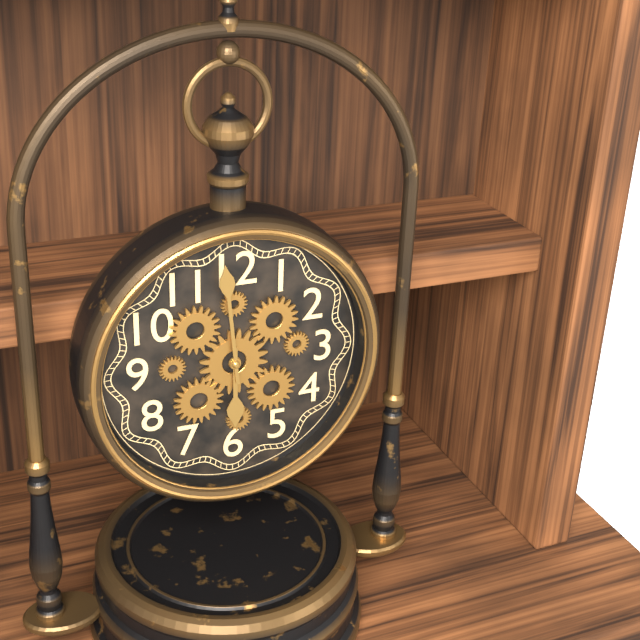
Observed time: 5:59
